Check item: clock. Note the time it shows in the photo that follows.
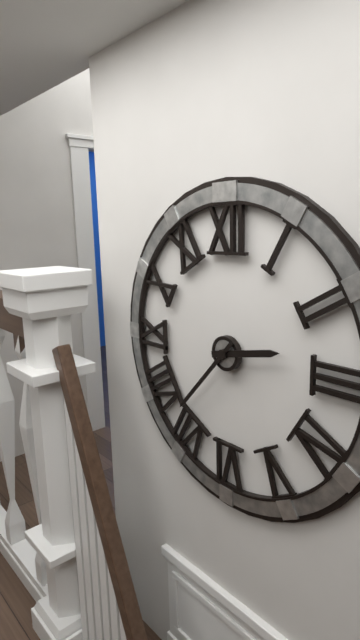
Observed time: 2:37
